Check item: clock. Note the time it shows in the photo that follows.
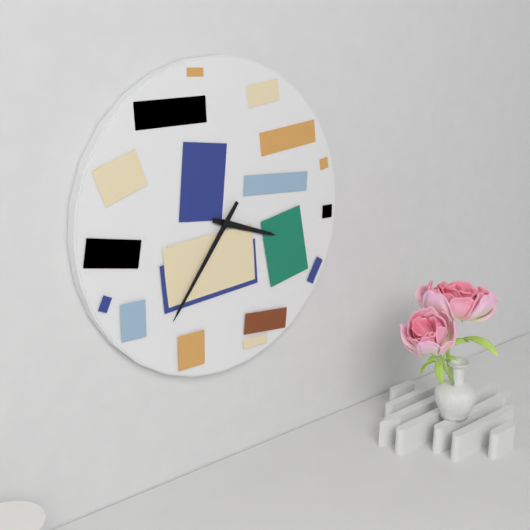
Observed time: 3:36
